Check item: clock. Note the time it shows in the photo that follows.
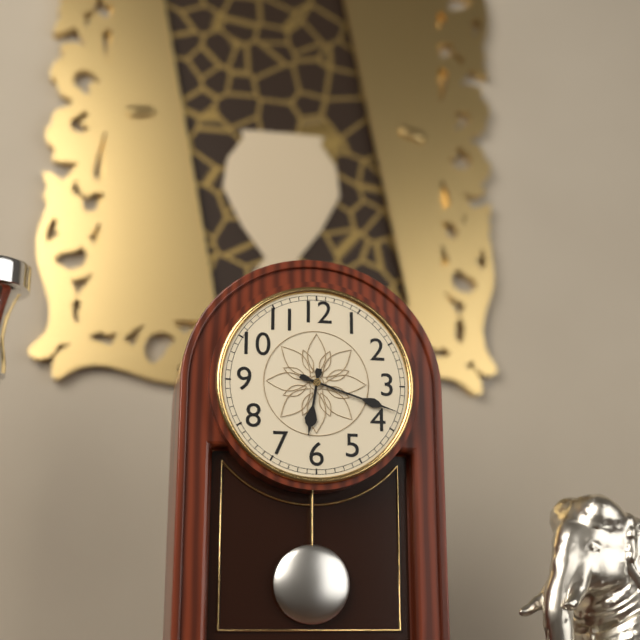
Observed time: 6:18
